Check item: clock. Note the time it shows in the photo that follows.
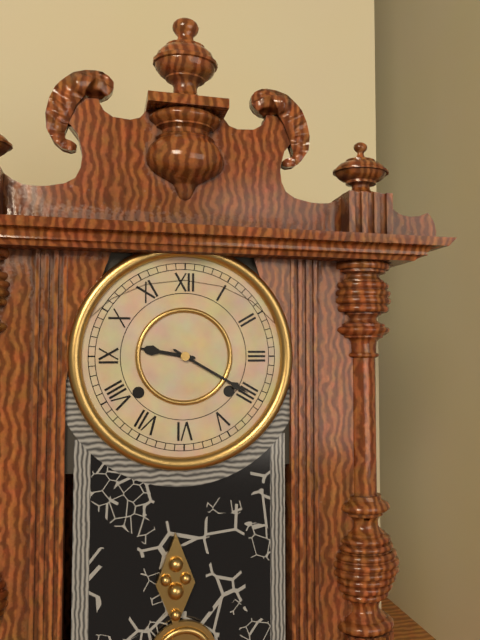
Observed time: 9:20
